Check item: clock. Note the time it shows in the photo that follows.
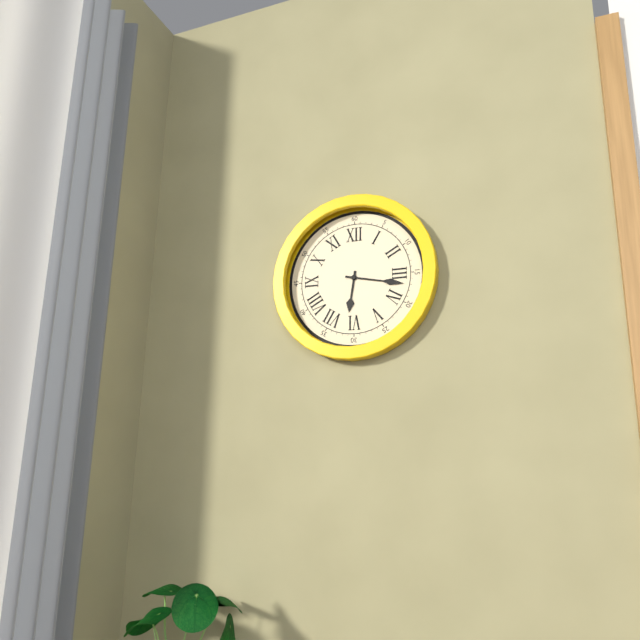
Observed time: 6:17
